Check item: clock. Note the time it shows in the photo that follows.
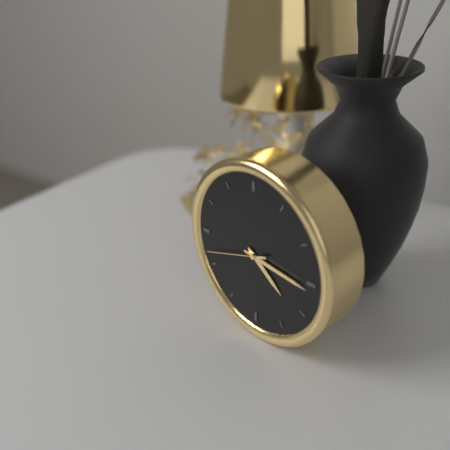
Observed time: 4:16:42
